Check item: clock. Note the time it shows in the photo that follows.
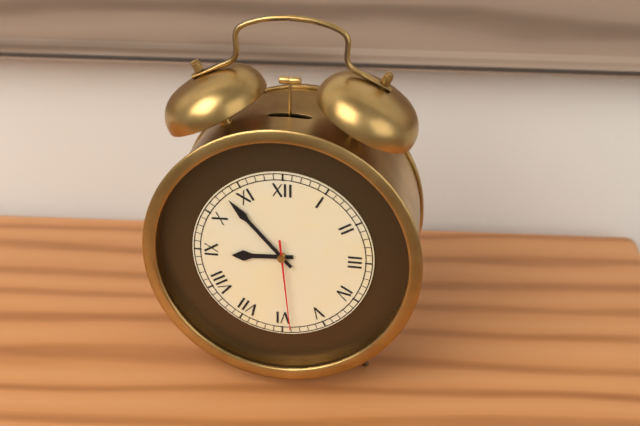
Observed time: 8:53:29
